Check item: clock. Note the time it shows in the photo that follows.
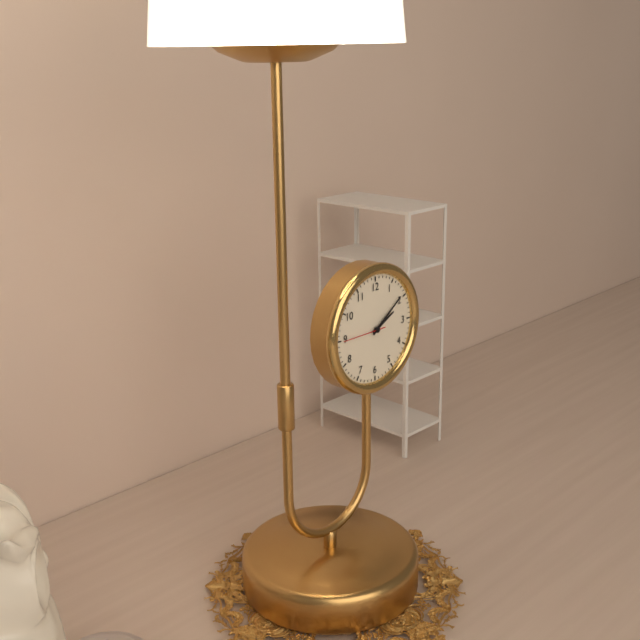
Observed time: 2:09
